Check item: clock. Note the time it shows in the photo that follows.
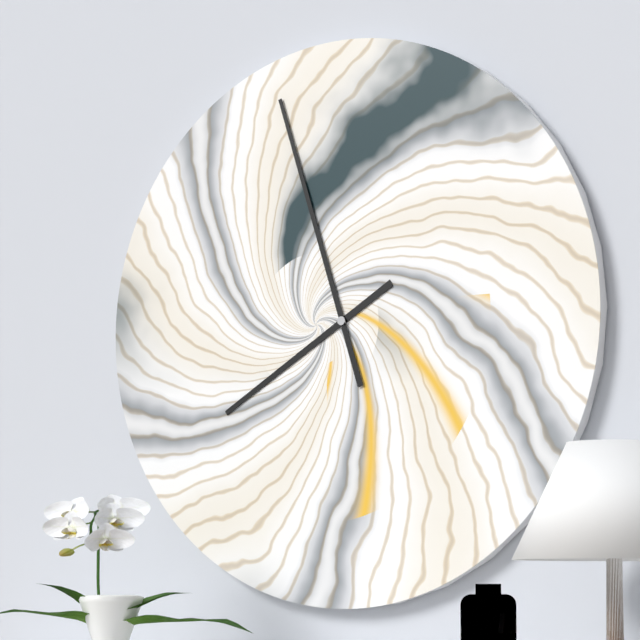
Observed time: 7:57
